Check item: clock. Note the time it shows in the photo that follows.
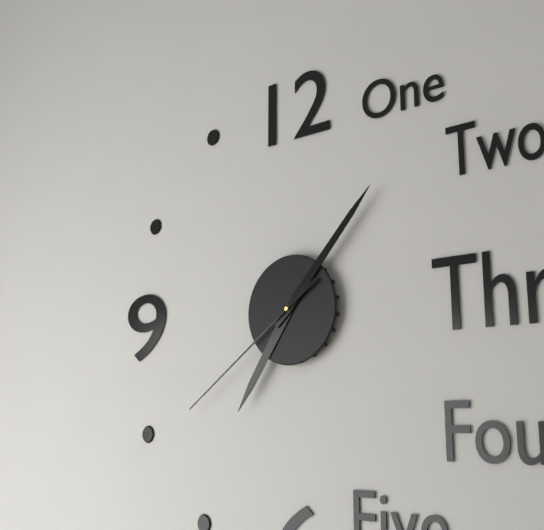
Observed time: 7:07:39
